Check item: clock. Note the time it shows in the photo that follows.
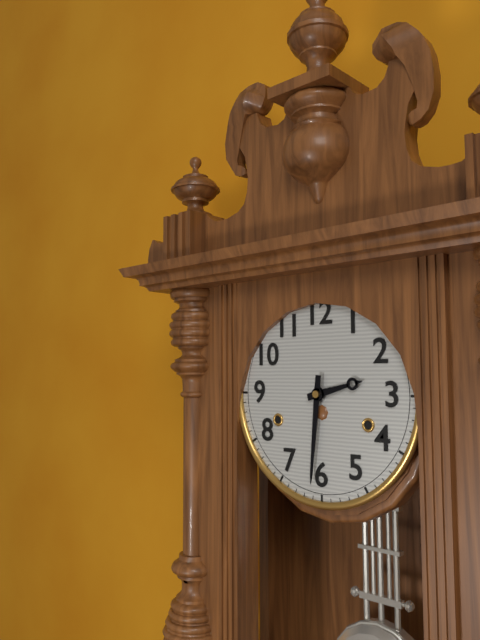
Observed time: 2:31
